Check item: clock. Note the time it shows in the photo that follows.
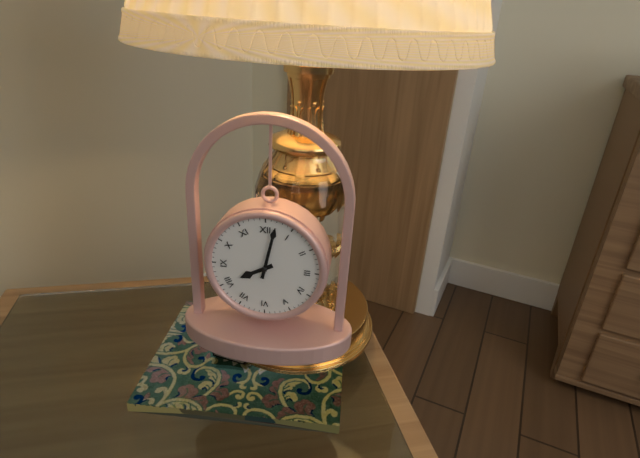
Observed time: 8:02
